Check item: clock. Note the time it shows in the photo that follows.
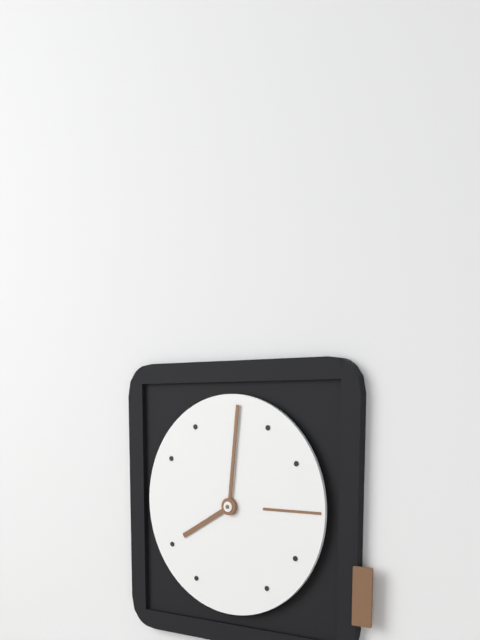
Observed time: 8:01
